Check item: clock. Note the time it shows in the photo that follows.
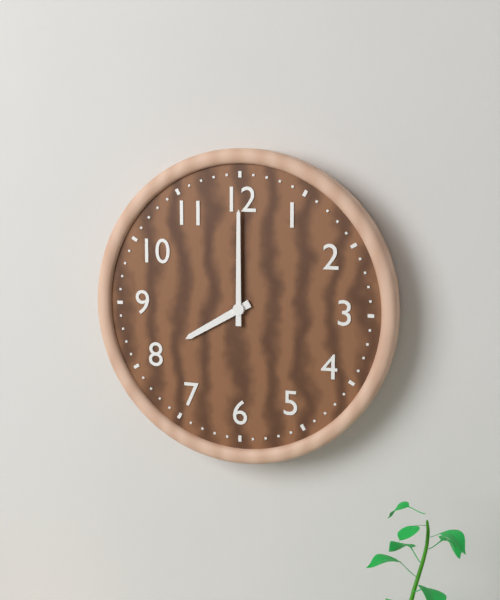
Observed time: 8:00
